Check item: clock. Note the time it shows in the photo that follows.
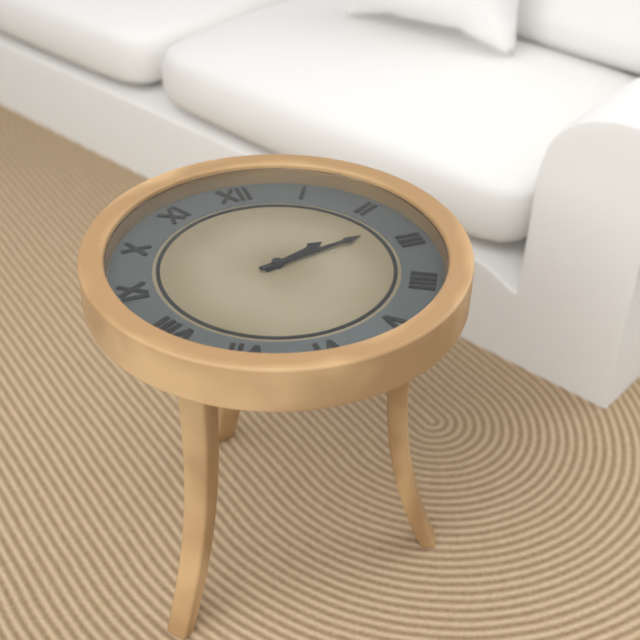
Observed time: 2:13
